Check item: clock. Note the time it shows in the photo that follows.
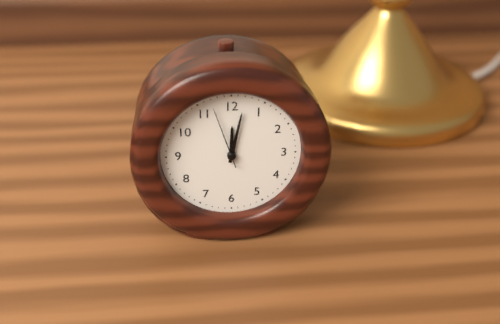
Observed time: 12:02:57
